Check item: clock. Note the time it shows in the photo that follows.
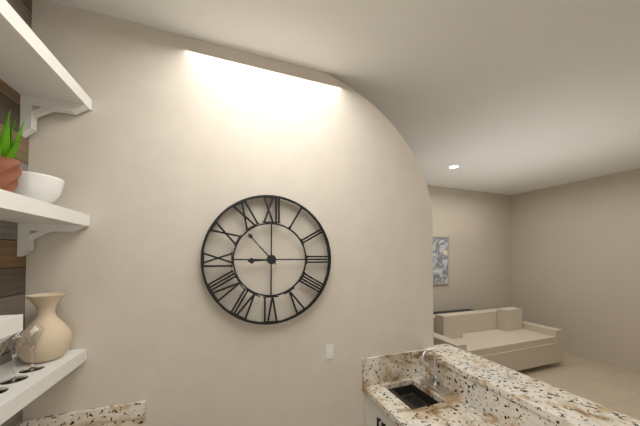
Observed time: 8:53
